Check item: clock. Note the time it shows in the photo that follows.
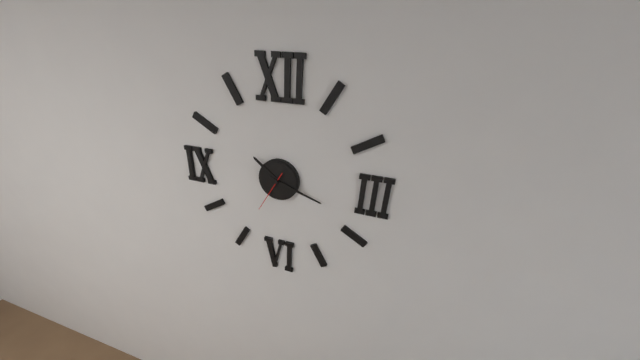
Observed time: 10:18
